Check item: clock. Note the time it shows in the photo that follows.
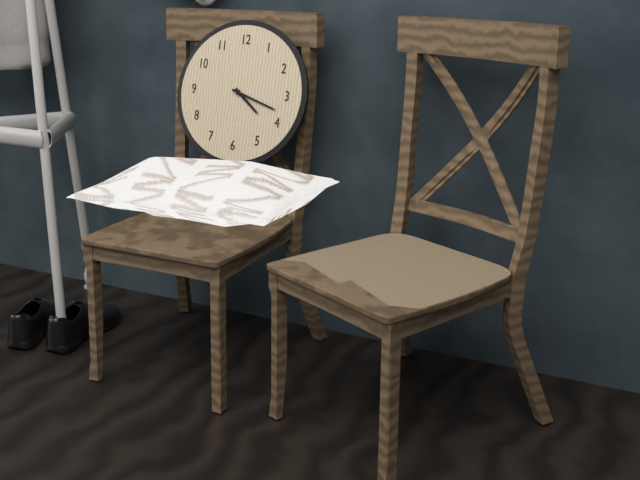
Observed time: 4:18
